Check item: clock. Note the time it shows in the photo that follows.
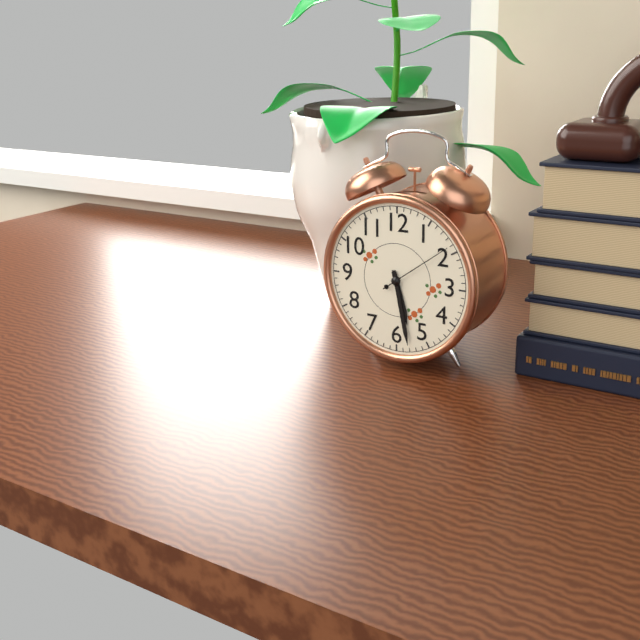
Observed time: 5:28:09
